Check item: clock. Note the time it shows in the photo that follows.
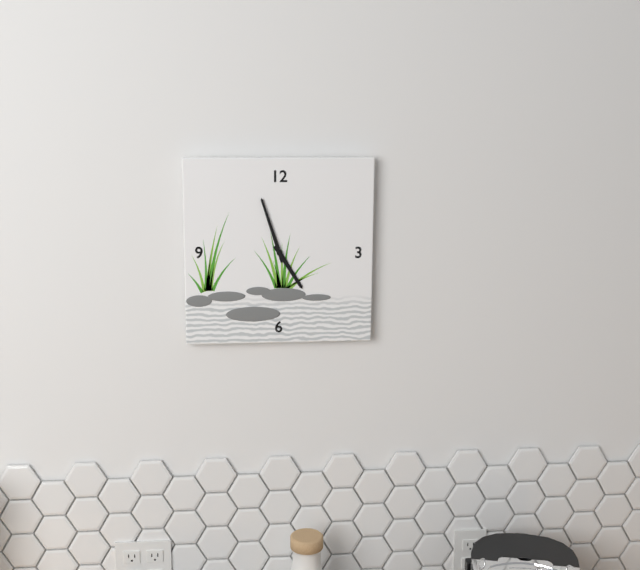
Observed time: 4:57
